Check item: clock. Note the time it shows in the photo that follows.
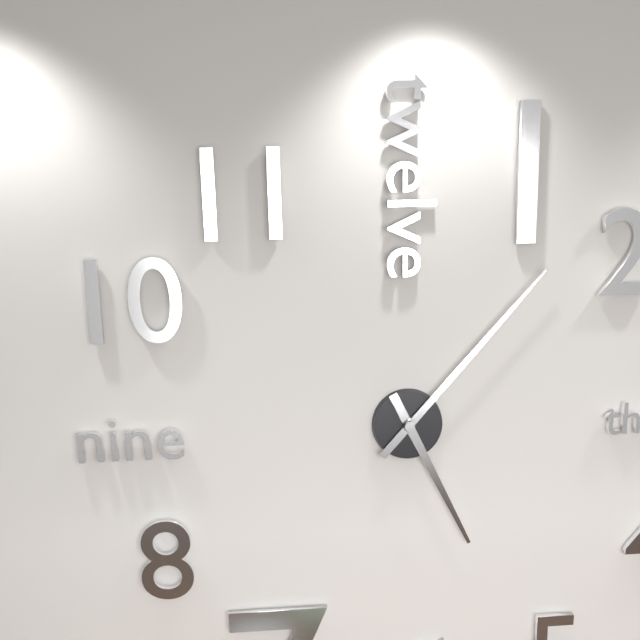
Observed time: 5:07
